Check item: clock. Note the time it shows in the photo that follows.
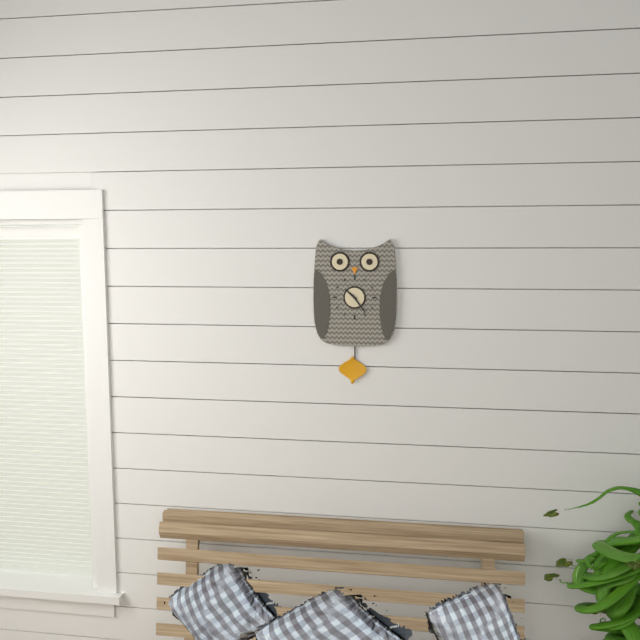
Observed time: 10:24
